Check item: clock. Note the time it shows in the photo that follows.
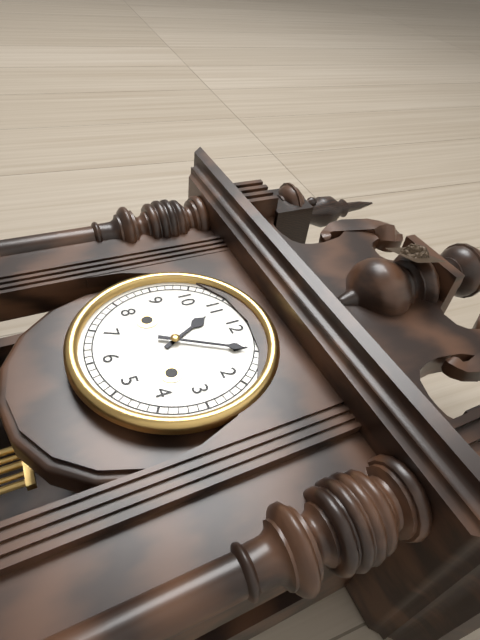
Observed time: 11:05
